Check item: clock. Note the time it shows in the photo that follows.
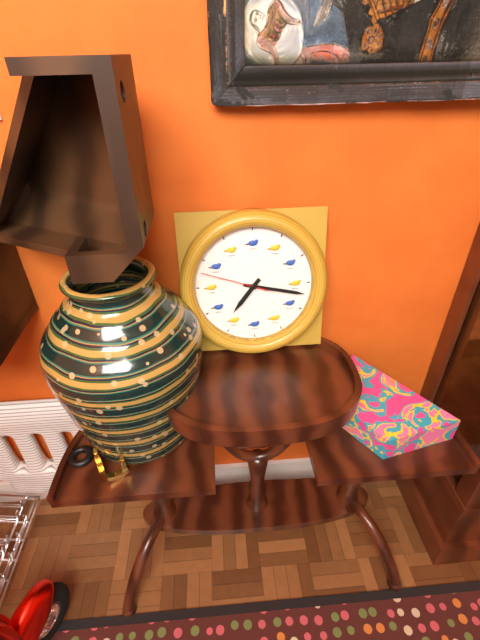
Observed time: 7:17:48
